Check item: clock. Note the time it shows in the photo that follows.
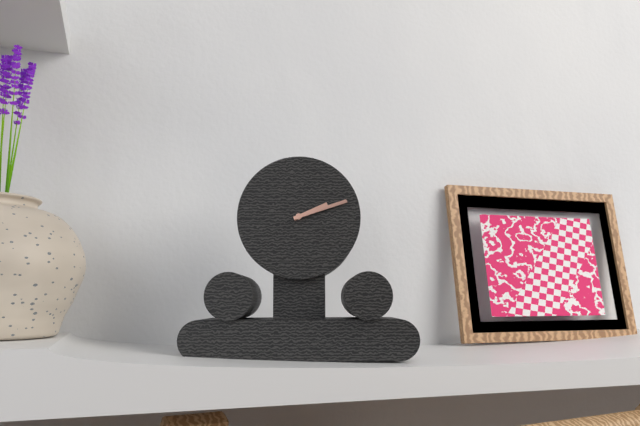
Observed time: 2:12
